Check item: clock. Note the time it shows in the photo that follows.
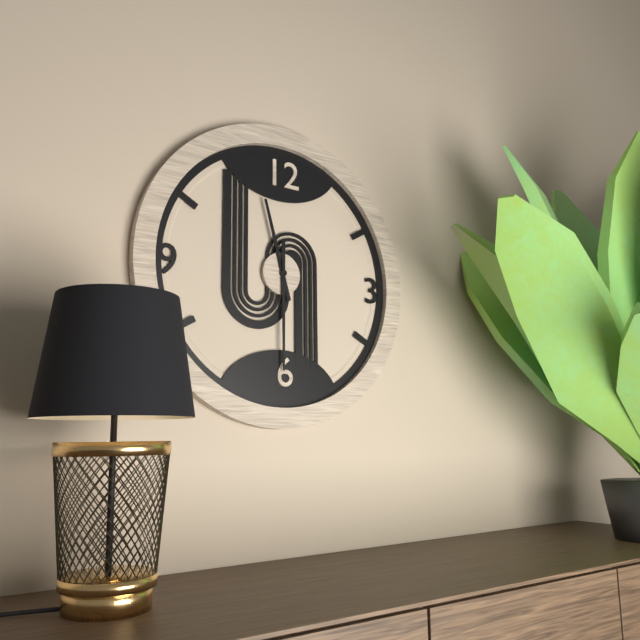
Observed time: 11:30
